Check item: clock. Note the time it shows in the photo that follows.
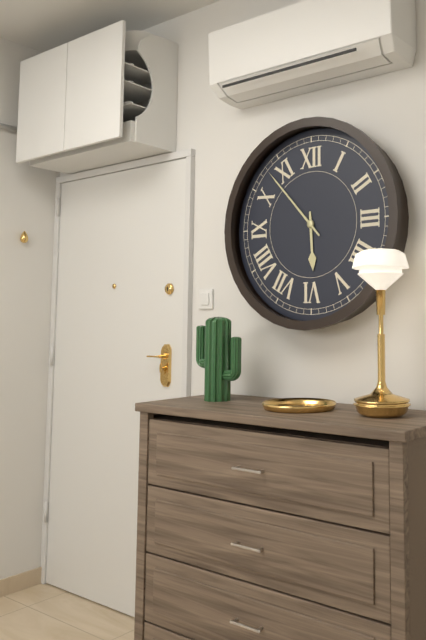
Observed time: 5:53
